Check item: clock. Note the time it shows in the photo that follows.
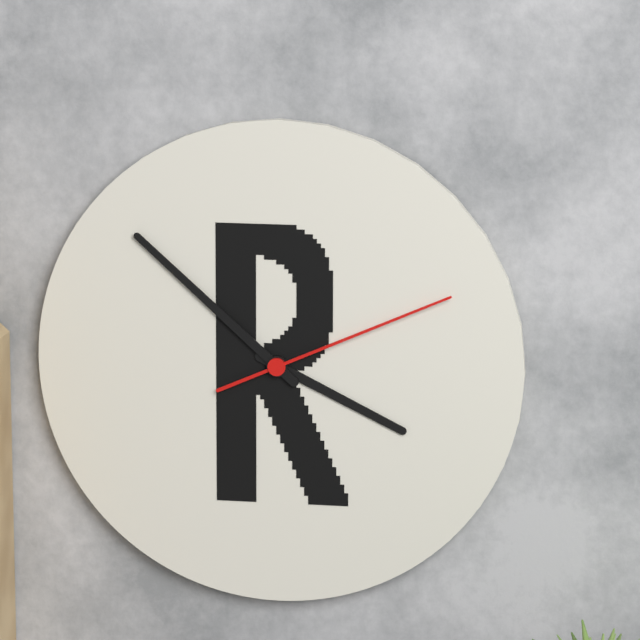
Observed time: 3:52:11
